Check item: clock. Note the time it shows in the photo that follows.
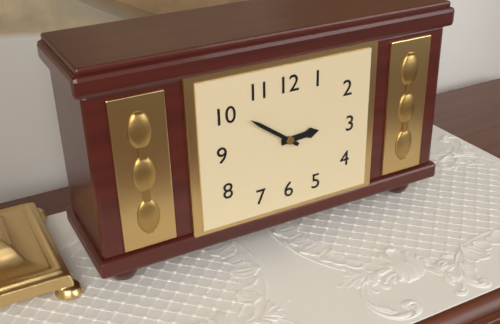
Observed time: 2:51
